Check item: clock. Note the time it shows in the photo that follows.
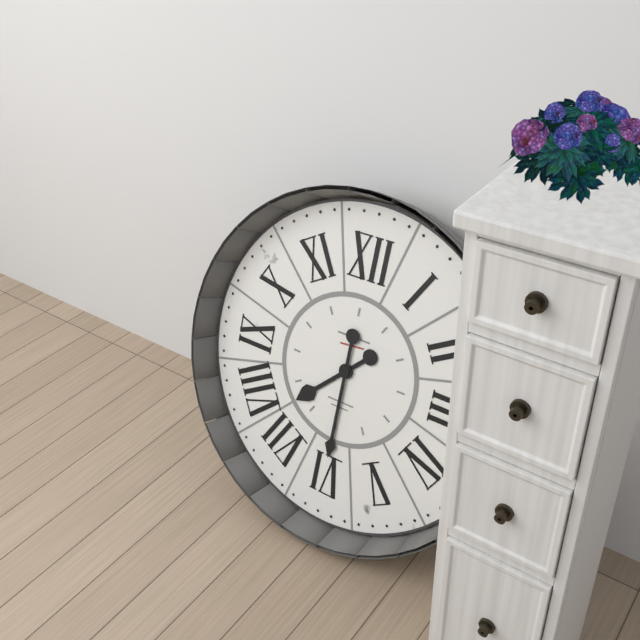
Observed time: 7:30
